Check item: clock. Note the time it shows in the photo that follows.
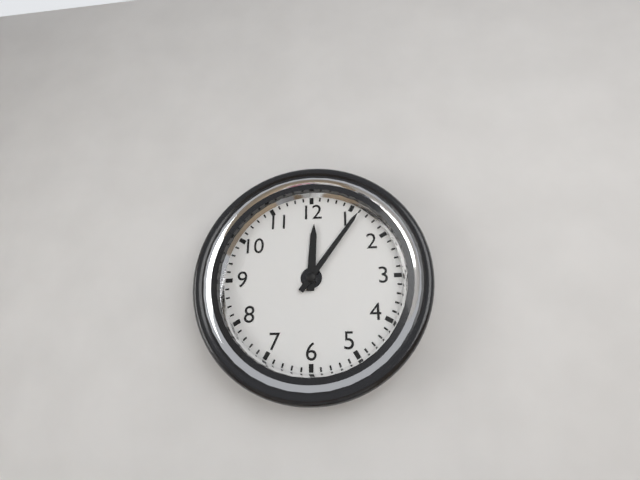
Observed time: 12:06
